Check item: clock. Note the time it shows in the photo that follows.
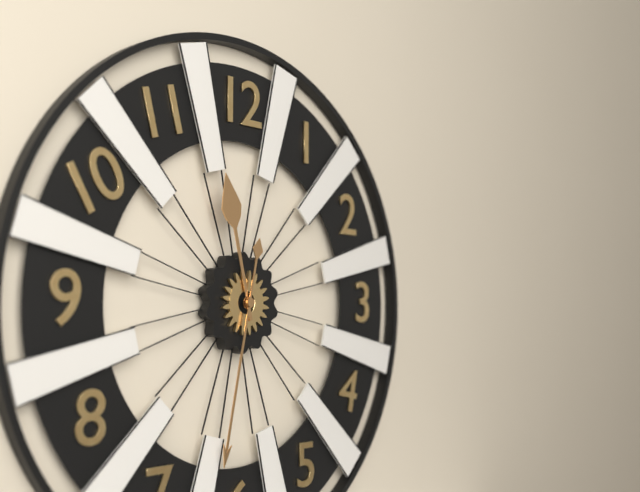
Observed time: 11:32
